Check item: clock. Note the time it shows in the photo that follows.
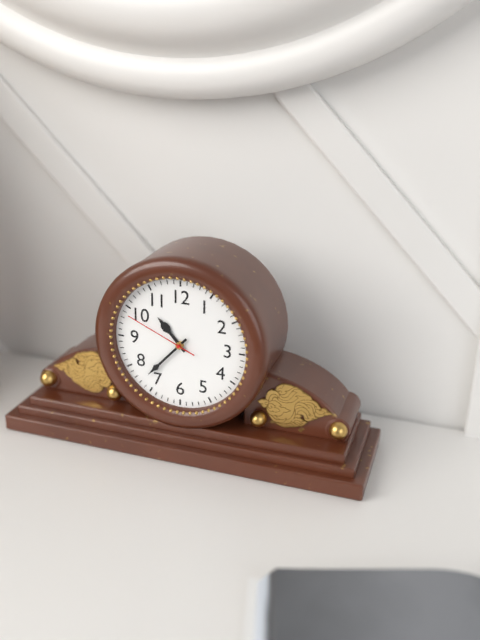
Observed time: 10:37:49
